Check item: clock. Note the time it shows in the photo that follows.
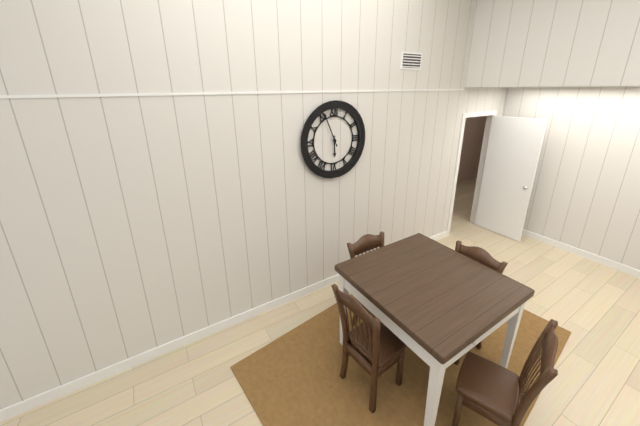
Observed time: 5:56
